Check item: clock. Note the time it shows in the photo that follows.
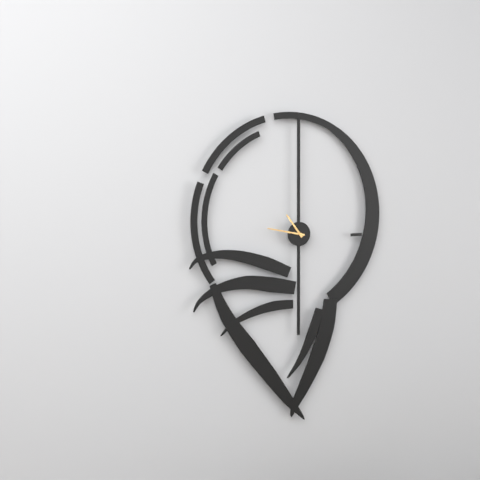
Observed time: 10:47
